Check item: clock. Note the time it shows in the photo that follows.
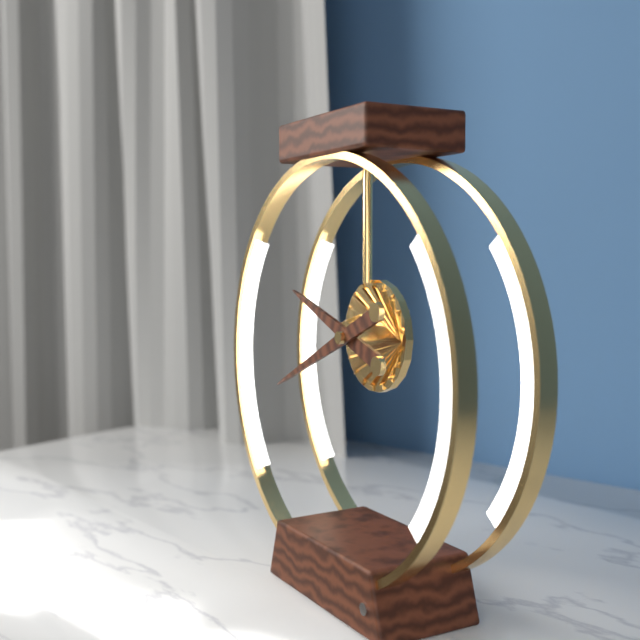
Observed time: 9:41
